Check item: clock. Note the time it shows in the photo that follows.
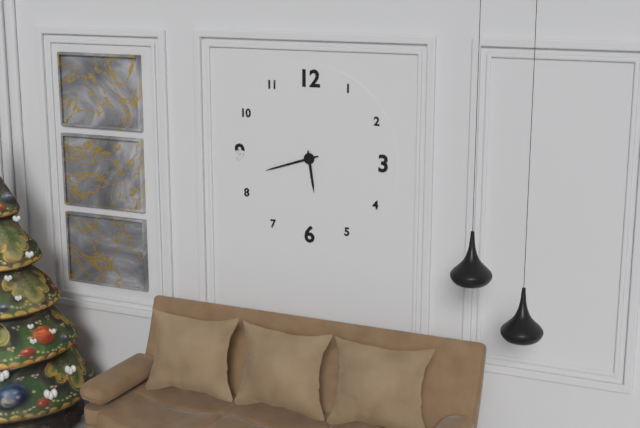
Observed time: 5:42
